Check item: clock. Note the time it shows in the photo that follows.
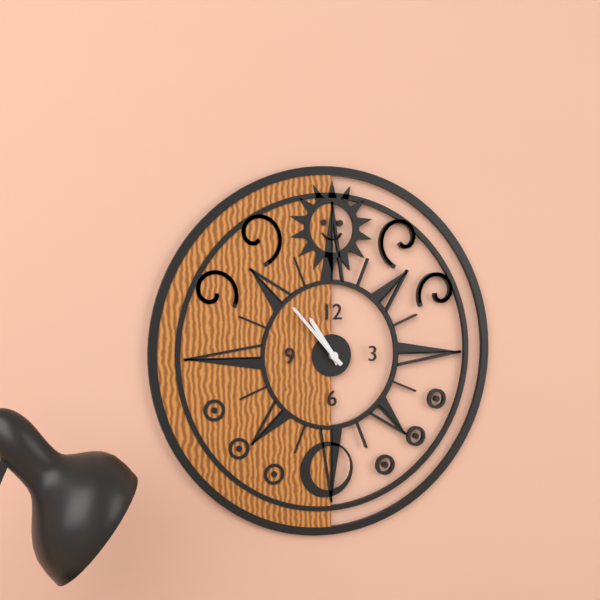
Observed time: 10:53
